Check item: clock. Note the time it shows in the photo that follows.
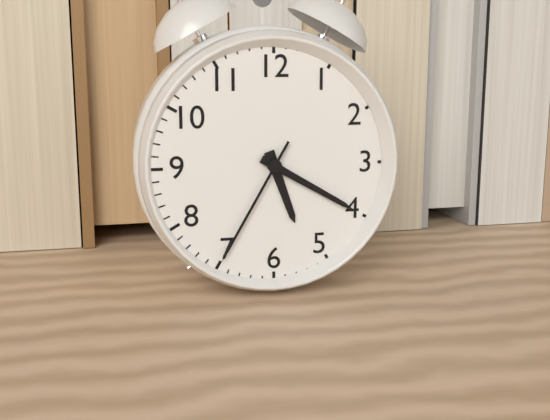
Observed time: 5:20:35
